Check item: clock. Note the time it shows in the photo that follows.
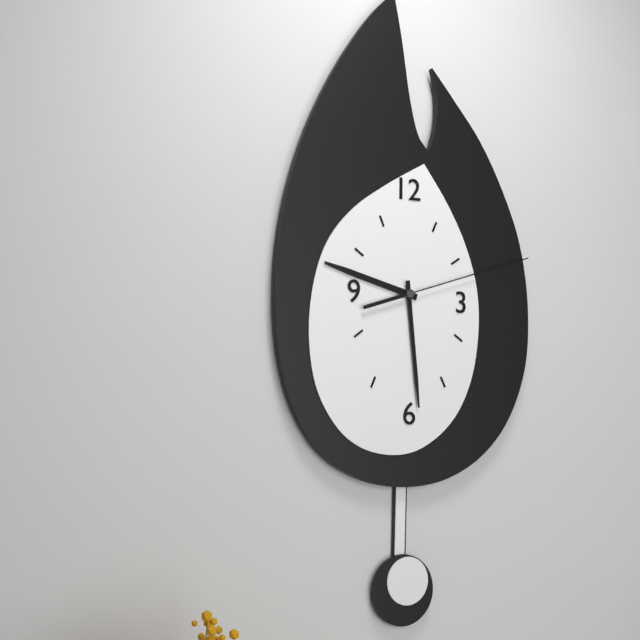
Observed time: 9:29:12
